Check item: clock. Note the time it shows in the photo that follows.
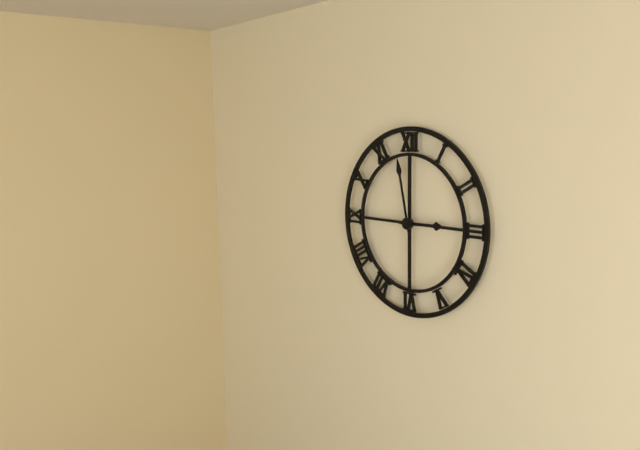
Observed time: 2:58
